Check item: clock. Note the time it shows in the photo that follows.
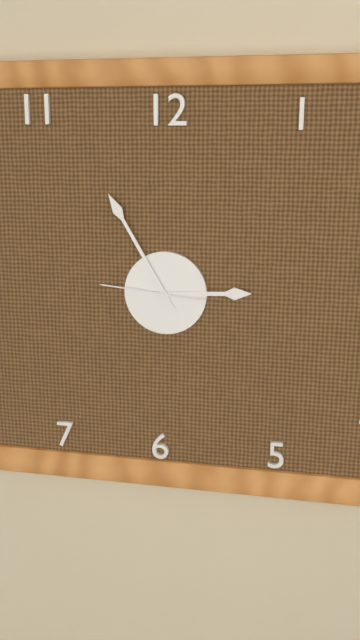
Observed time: 2:55:46
